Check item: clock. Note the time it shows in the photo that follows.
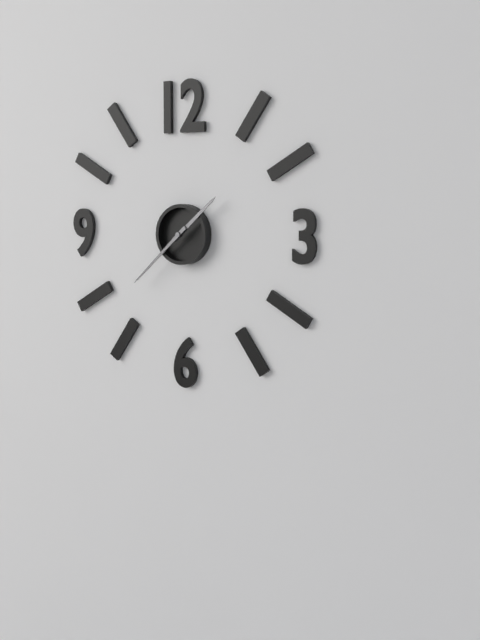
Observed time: 1:38
